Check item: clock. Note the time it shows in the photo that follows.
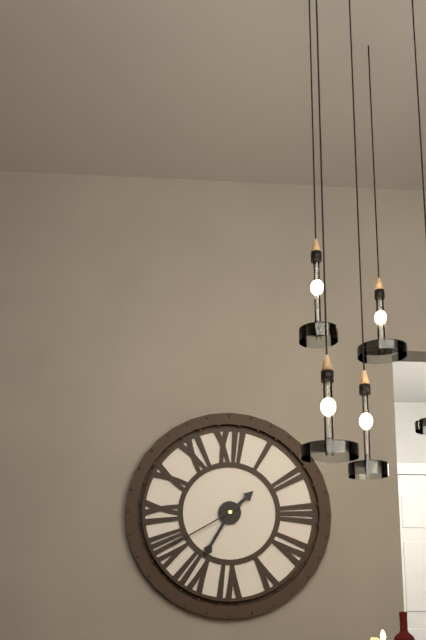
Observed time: 1:35:40
